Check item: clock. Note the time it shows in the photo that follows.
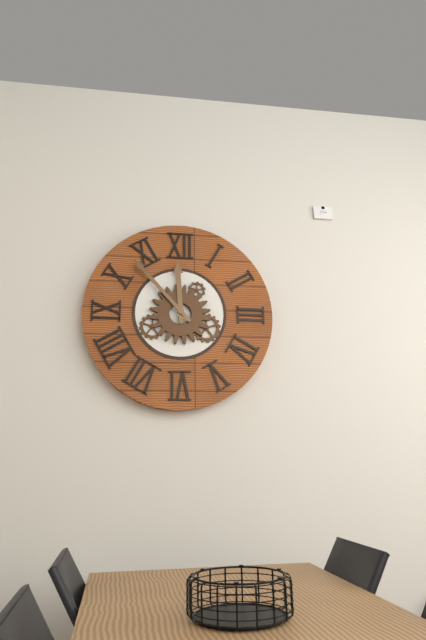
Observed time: 11:53
